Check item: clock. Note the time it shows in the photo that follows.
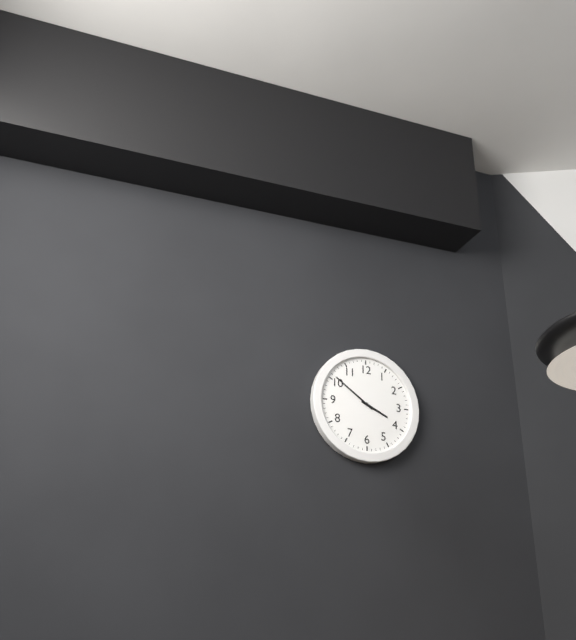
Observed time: 3:51
